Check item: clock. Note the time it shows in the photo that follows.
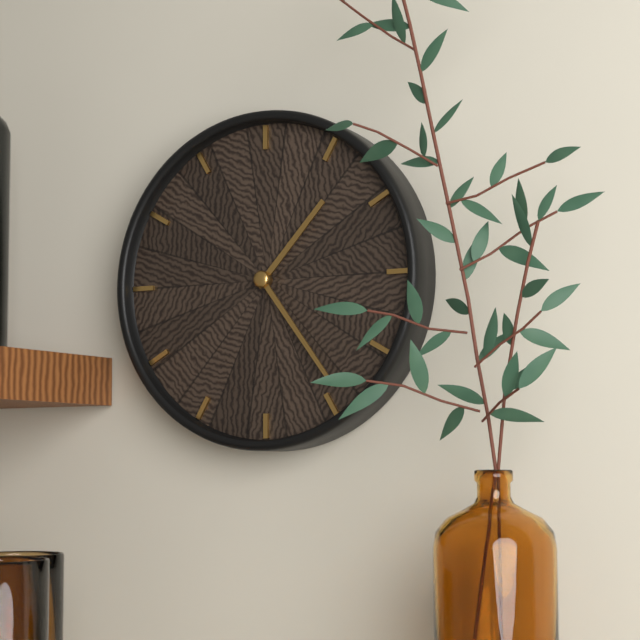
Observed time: 1:24
